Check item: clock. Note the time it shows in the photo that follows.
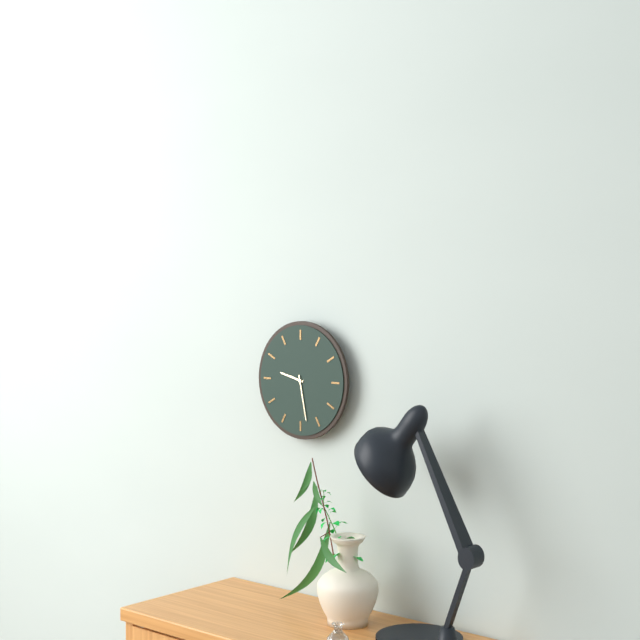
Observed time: 9:28
